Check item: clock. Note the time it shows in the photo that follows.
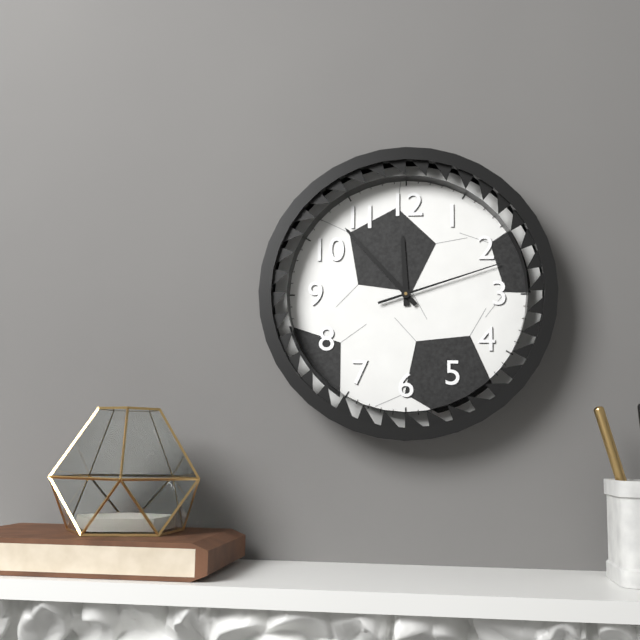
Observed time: 11:53:12
